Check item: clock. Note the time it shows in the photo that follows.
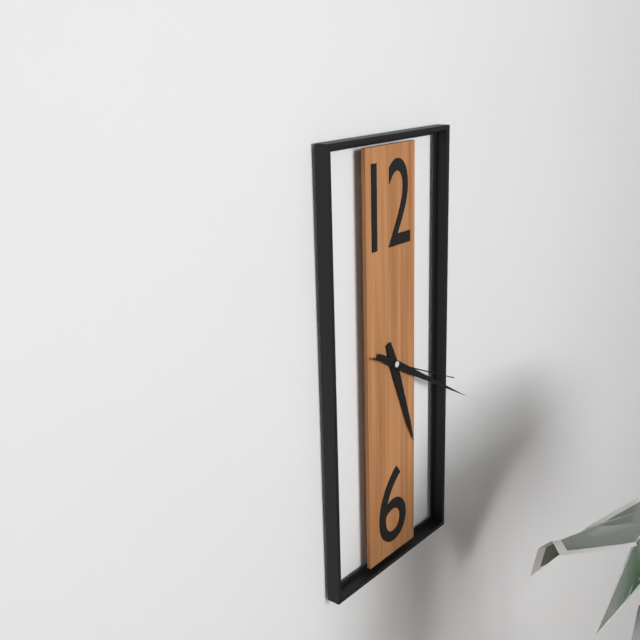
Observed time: 5:20:19
